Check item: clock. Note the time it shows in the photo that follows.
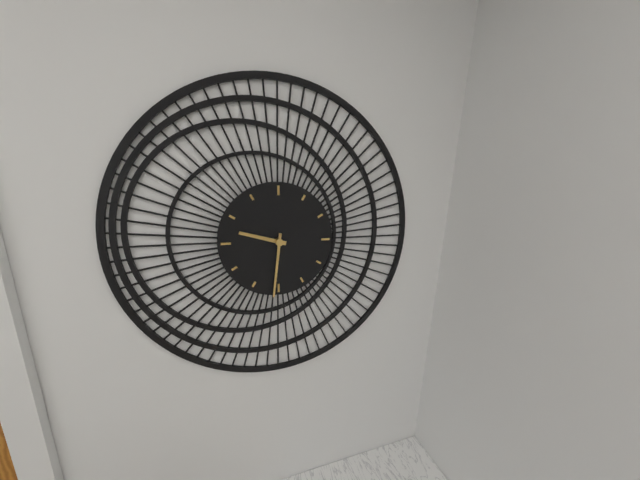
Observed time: 9:31
